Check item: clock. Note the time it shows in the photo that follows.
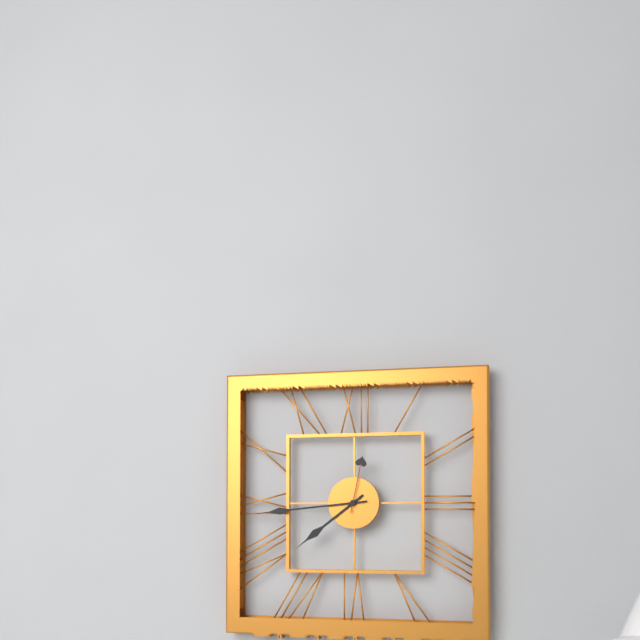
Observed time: 7:44:02
